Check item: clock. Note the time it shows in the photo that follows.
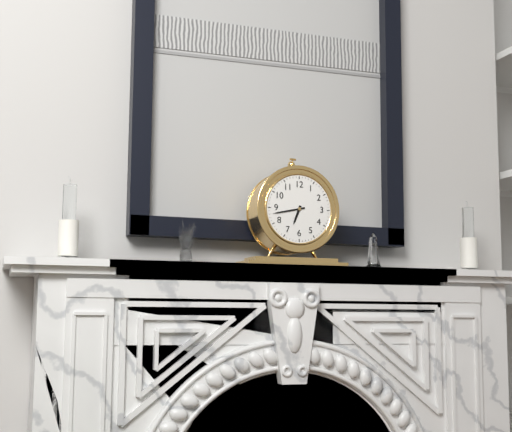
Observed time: 6:43
